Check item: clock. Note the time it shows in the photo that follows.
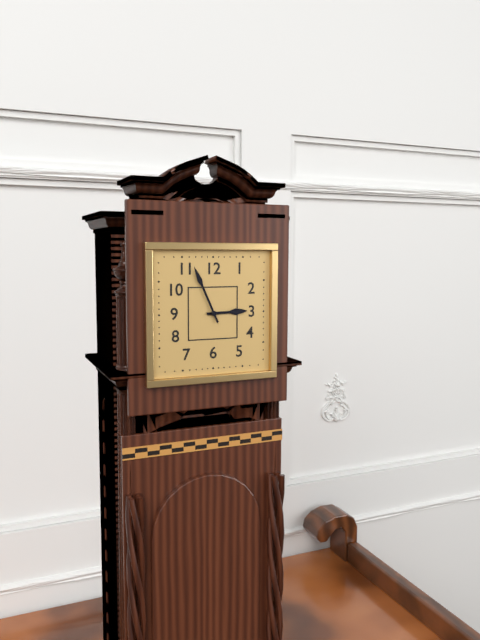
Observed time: 2:56
